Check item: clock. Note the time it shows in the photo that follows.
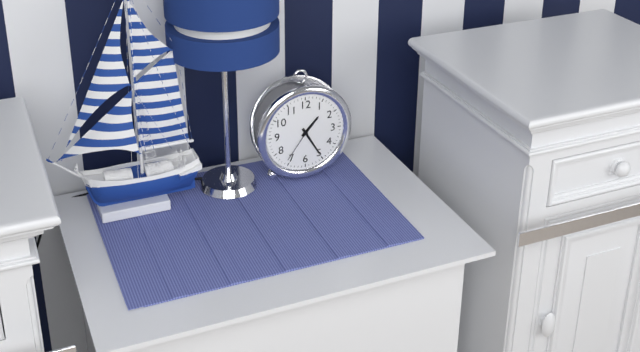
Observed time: 1:25
